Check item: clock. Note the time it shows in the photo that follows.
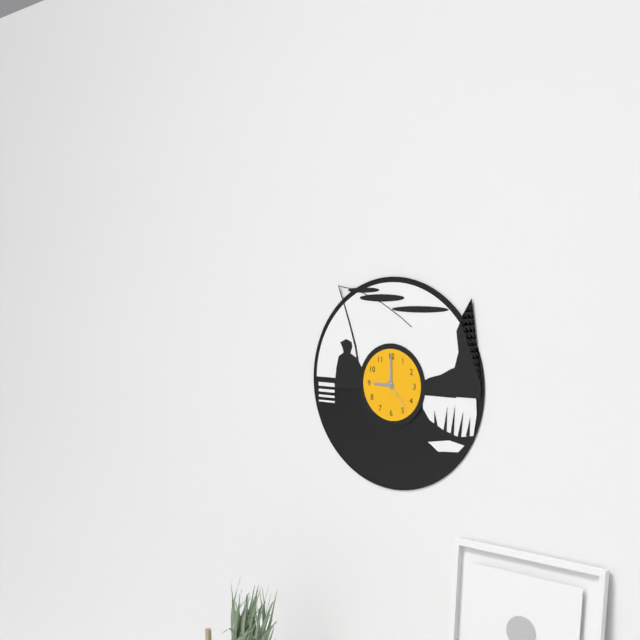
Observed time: 9:00
